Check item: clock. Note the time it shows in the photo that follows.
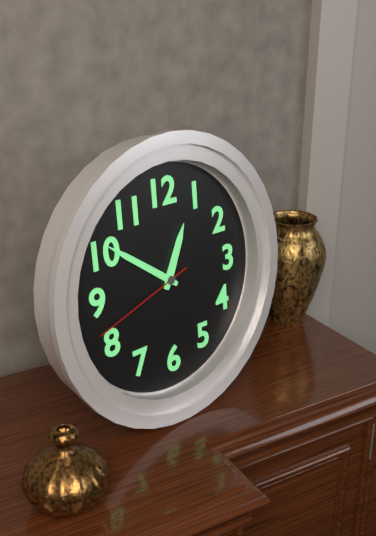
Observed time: 12:51:42
